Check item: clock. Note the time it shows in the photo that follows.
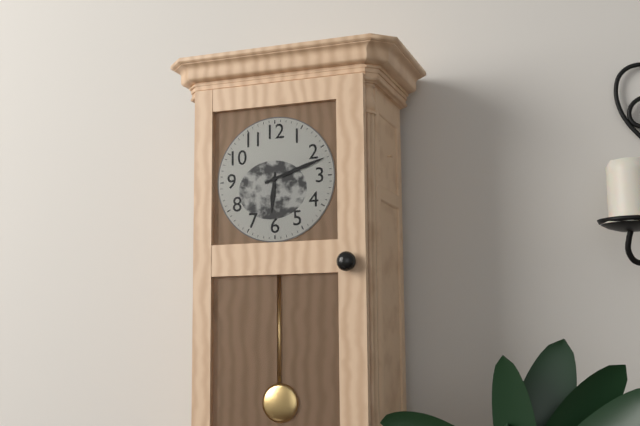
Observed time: 6:12
